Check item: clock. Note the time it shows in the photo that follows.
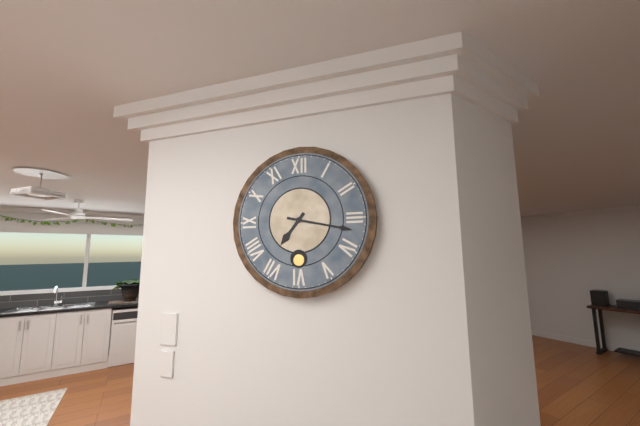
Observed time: 7:17
